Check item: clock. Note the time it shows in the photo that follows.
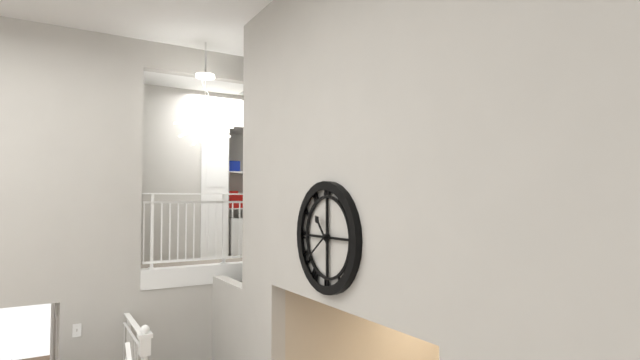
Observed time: 10:39
